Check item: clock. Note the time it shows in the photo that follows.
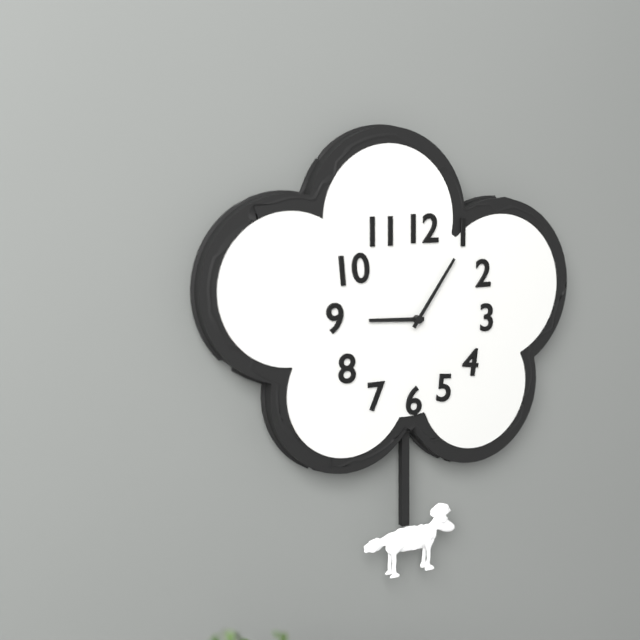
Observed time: 9:06
